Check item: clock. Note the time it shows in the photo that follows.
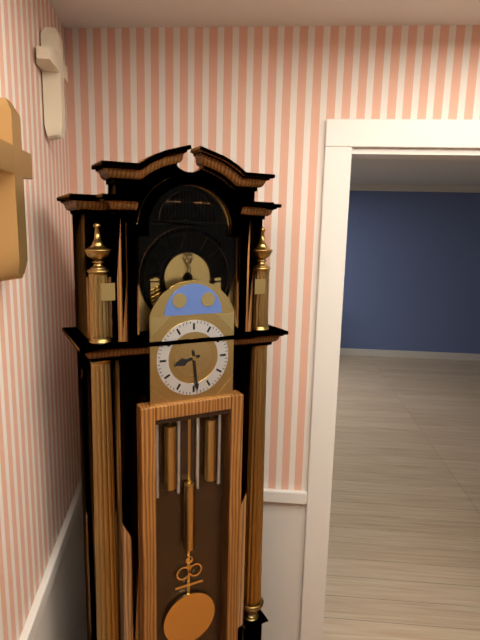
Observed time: 8:29
